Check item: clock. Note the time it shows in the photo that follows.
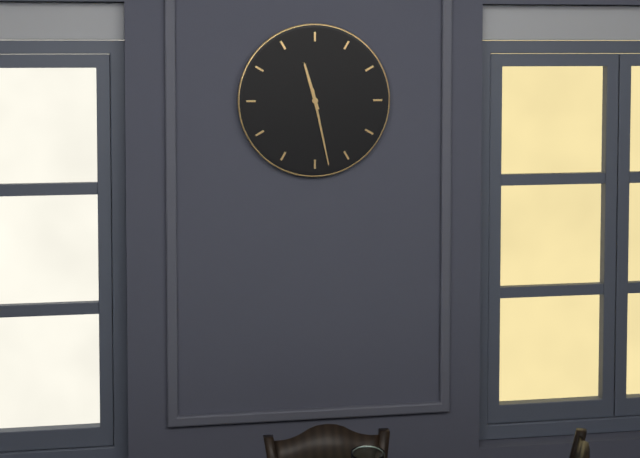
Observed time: 11:28
